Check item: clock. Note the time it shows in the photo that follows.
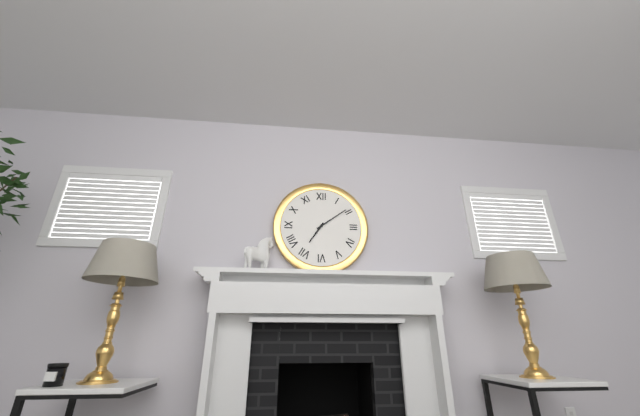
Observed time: 7:09
